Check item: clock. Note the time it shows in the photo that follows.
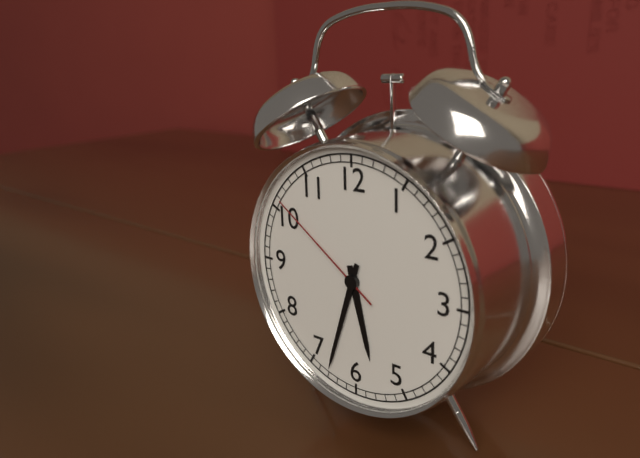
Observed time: 5:33:51
